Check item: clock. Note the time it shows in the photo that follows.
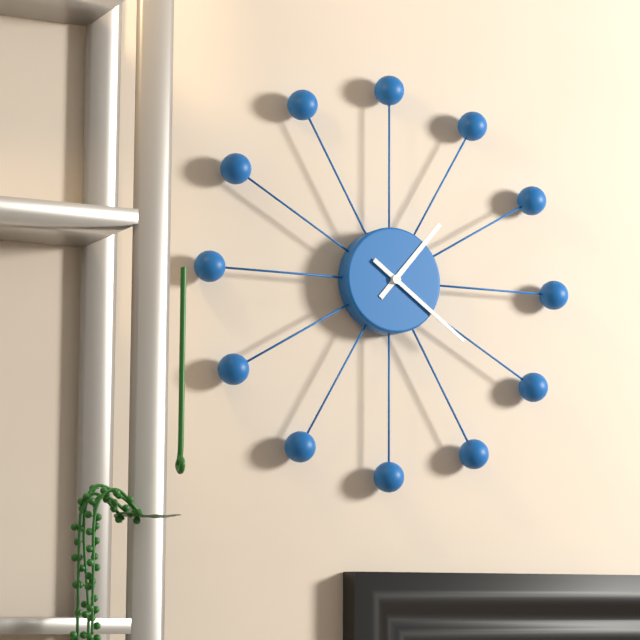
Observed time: 1:21
